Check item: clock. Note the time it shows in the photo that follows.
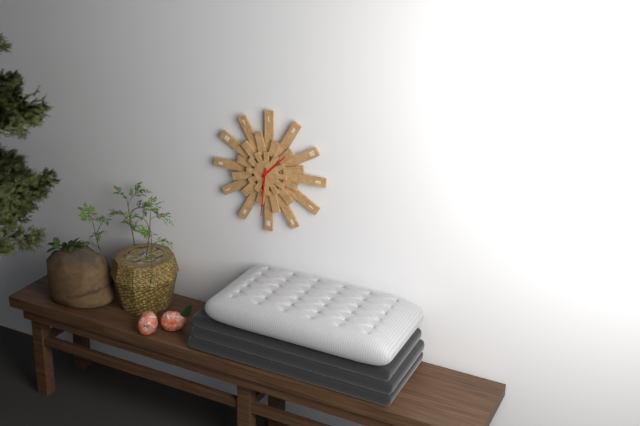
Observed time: 1:31
